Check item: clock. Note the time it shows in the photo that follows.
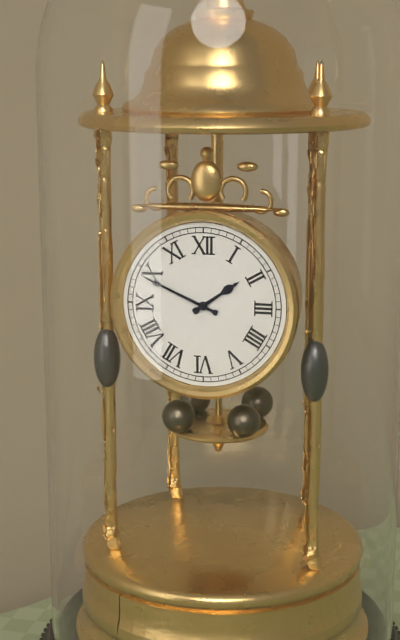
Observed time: 1:49
